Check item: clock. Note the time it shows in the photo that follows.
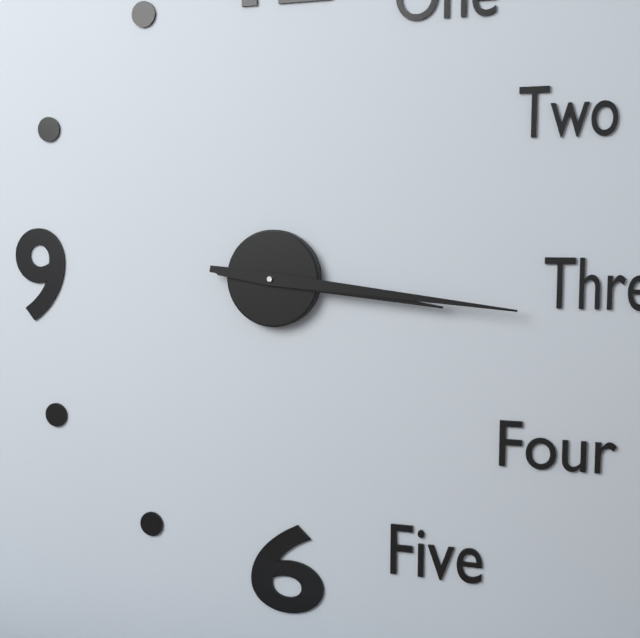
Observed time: 3:16
